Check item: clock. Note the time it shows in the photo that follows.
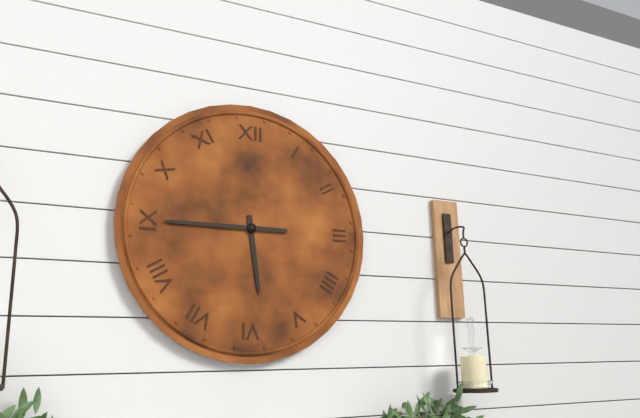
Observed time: 5:45
